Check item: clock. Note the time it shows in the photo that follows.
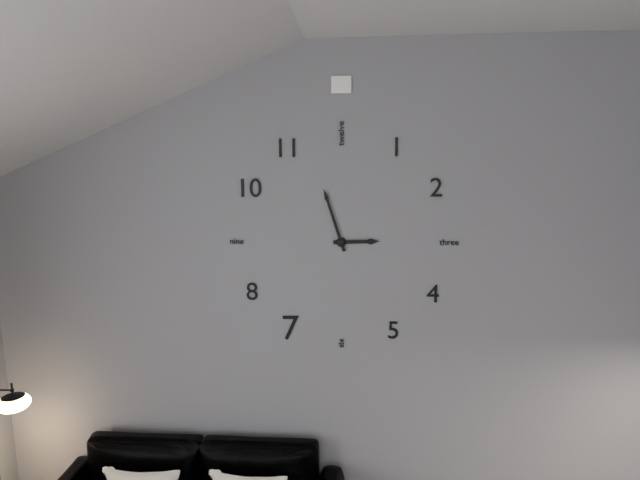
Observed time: 2:57
